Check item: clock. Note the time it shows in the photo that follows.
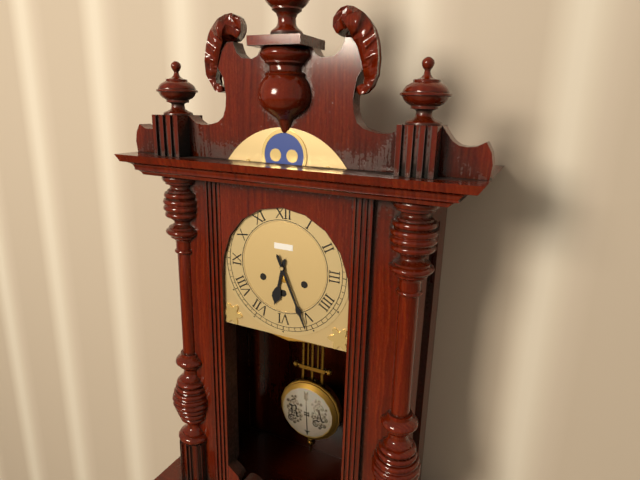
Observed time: 6:26
